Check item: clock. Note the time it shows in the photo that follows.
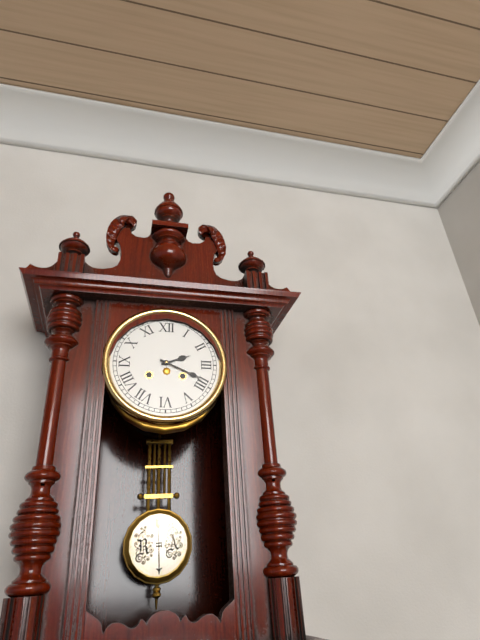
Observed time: 2:19
